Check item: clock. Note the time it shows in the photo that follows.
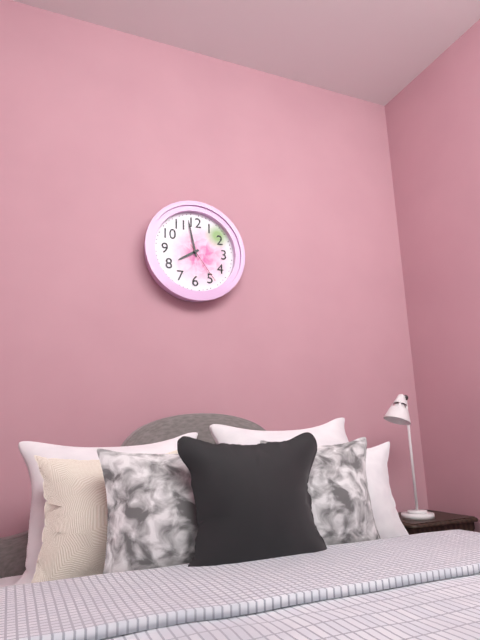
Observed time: 7:58
